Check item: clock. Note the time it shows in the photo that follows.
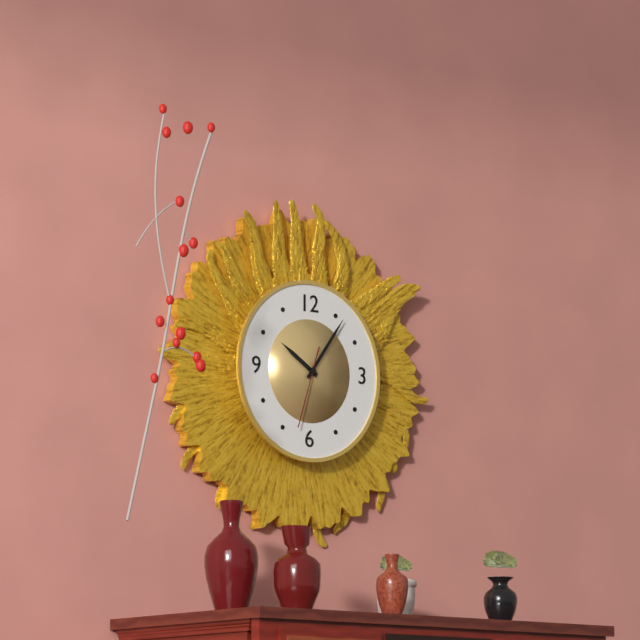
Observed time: 10:06:33
